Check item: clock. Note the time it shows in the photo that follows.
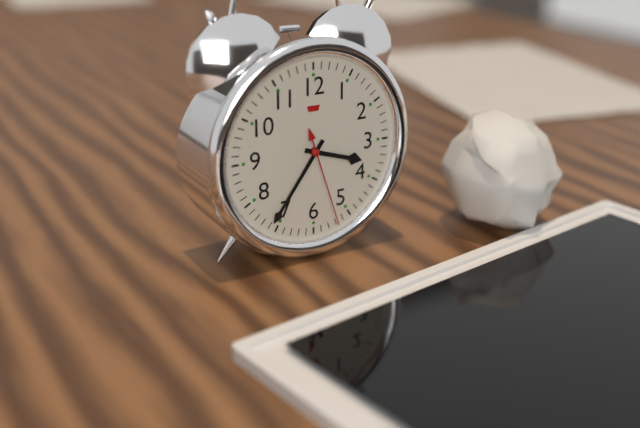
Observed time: 3:36:27
